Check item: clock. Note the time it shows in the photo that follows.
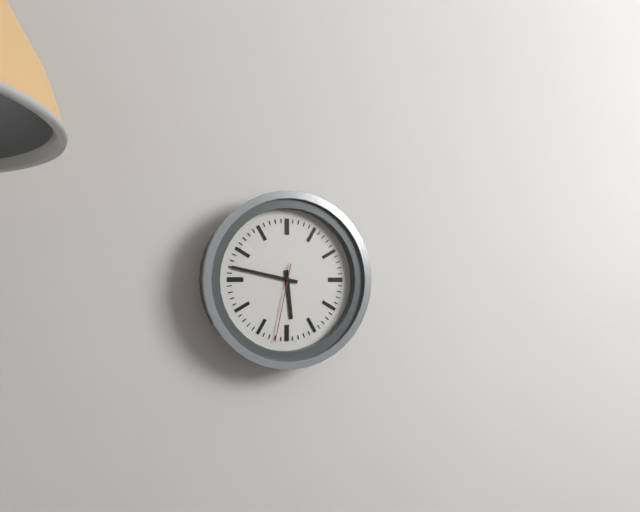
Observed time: 5:47:32
